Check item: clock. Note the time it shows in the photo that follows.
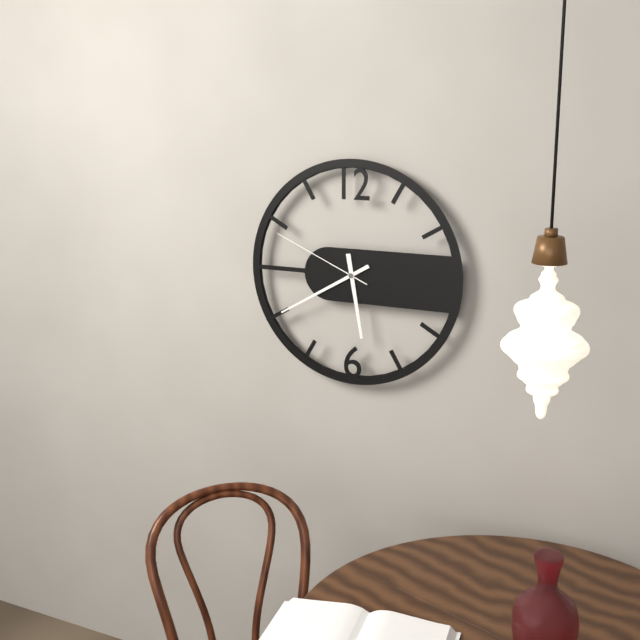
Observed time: 5:40:49
